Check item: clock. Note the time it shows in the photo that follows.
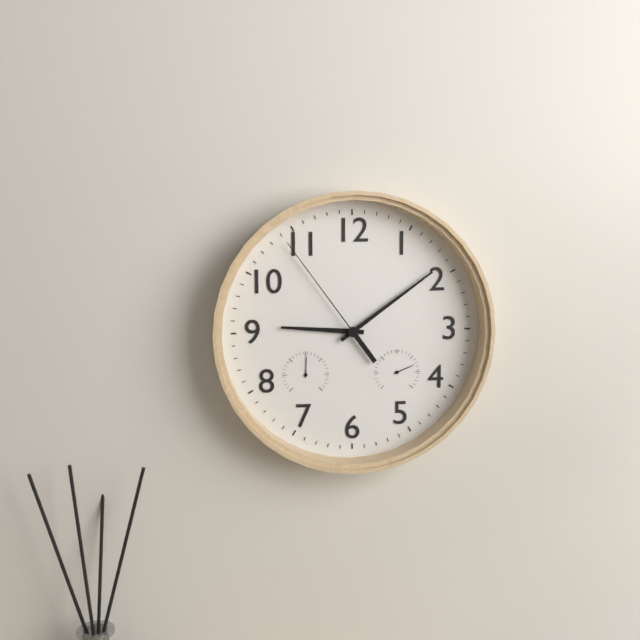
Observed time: 9:09:54
